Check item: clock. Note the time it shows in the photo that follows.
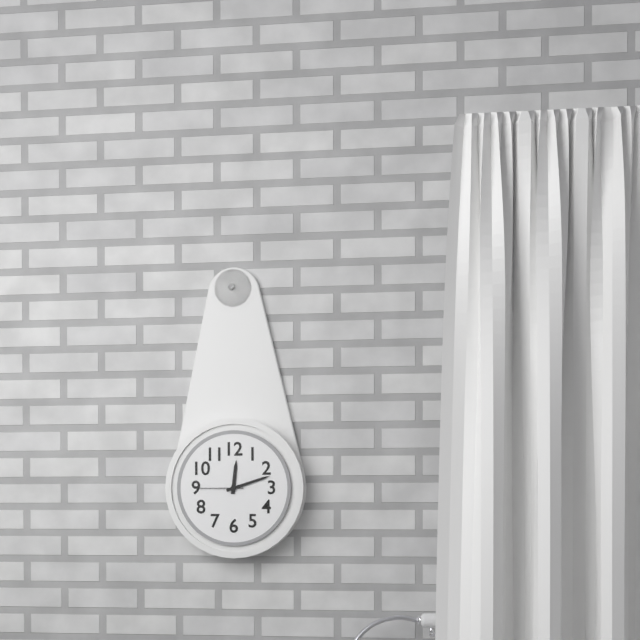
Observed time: 12:12
